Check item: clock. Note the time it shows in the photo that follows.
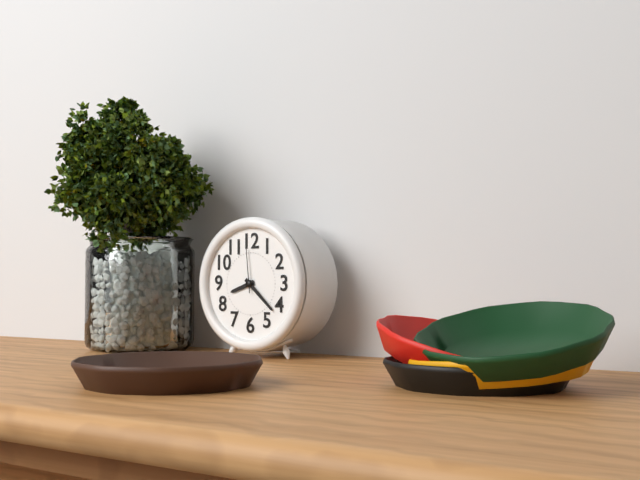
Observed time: 8:22
